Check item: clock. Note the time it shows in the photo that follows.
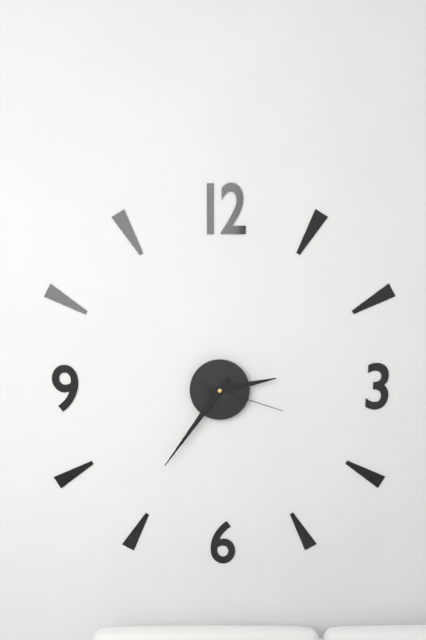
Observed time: 2:36:18
